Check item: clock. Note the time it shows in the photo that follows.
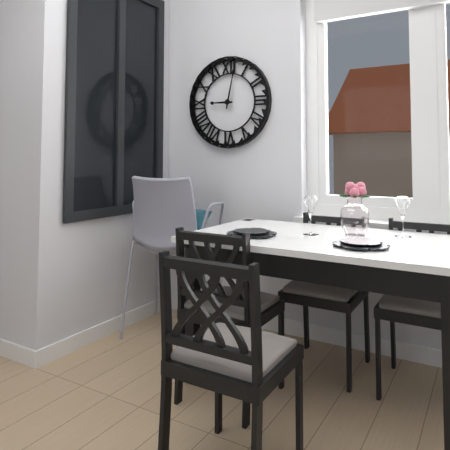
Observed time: 9:02
